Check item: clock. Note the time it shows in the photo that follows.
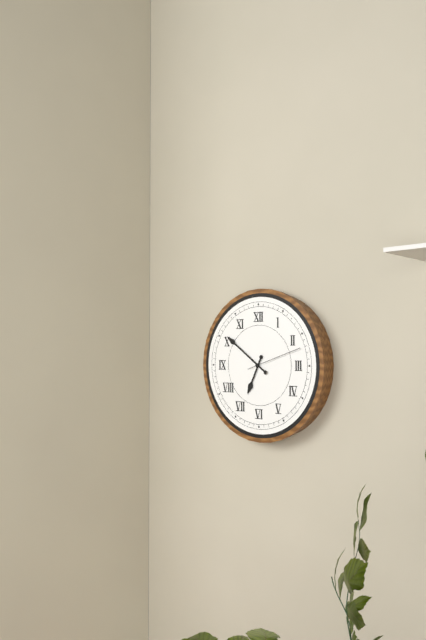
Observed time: 6:51:12
